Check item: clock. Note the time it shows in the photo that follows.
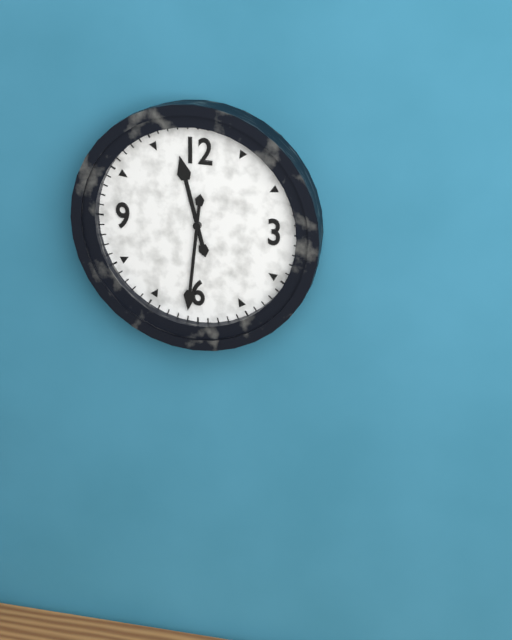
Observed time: 11:31
